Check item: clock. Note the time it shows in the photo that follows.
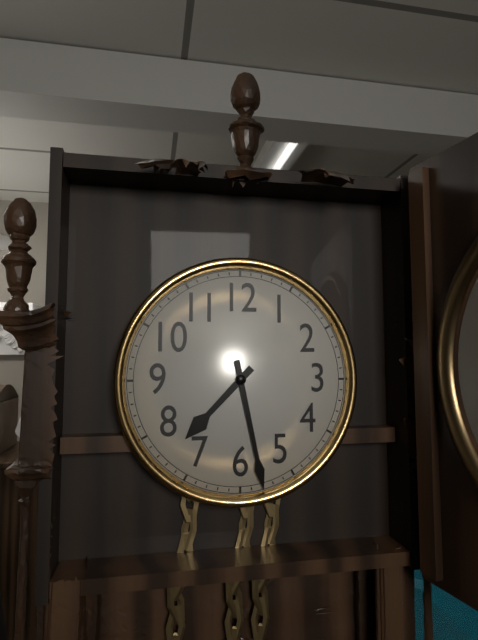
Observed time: 7:28
